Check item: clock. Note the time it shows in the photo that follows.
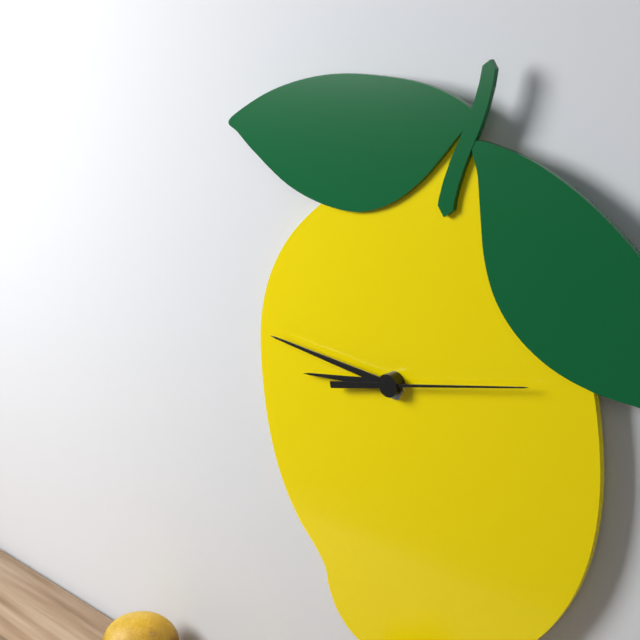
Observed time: 8:46:13
